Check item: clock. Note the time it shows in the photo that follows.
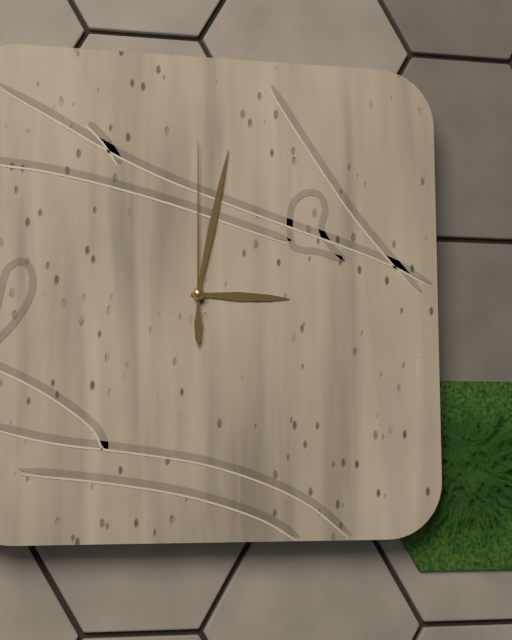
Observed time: 3:02:00
